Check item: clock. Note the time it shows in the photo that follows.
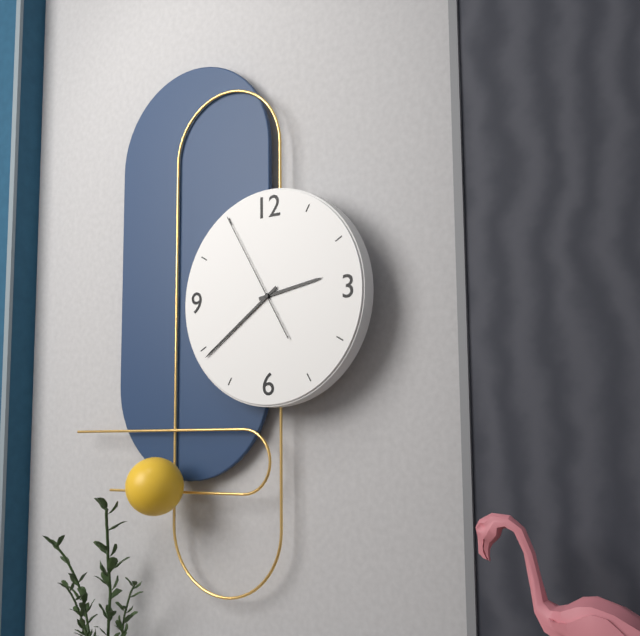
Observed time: 2:39:55
